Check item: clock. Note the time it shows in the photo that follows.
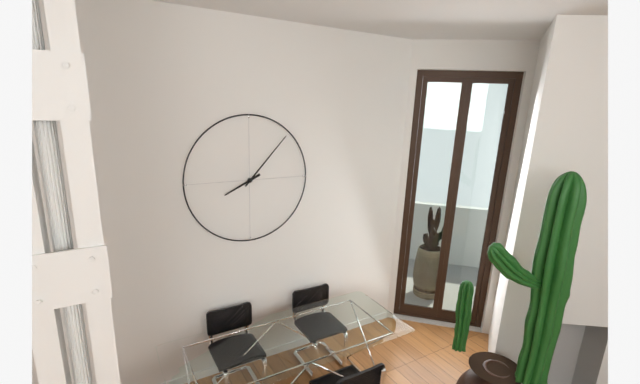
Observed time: 8:07
